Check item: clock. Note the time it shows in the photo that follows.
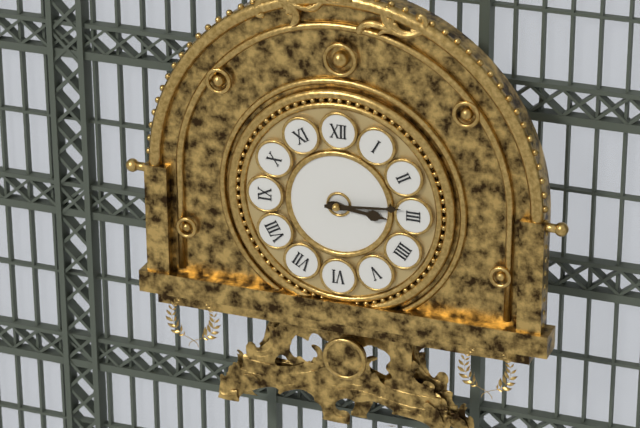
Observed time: 3:14
